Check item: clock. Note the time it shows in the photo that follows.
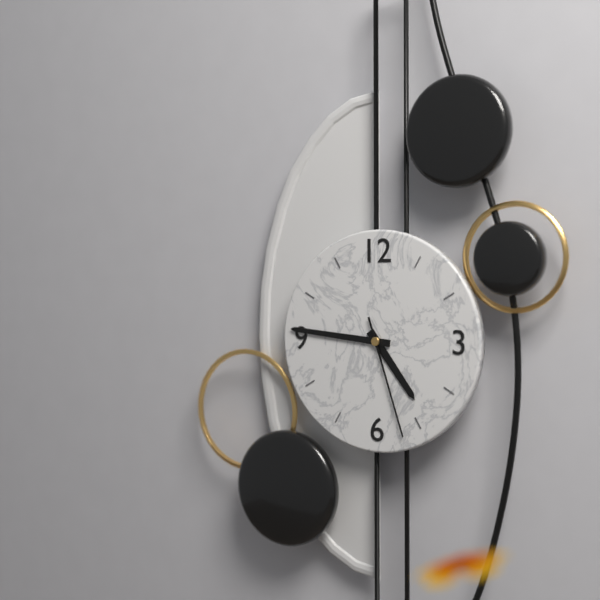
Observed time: 4:46:27
